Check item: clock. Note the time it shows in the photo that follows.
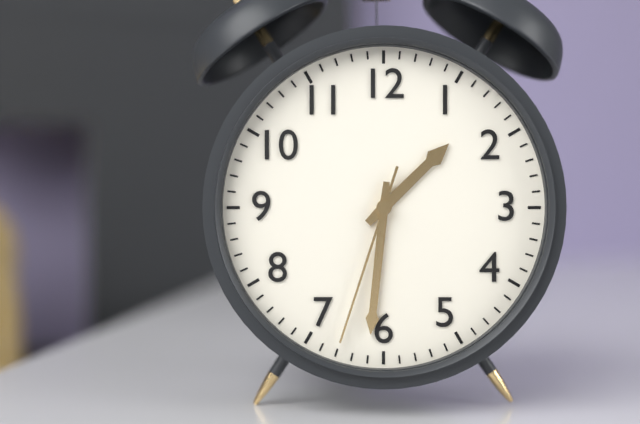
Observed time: 1:31:33
